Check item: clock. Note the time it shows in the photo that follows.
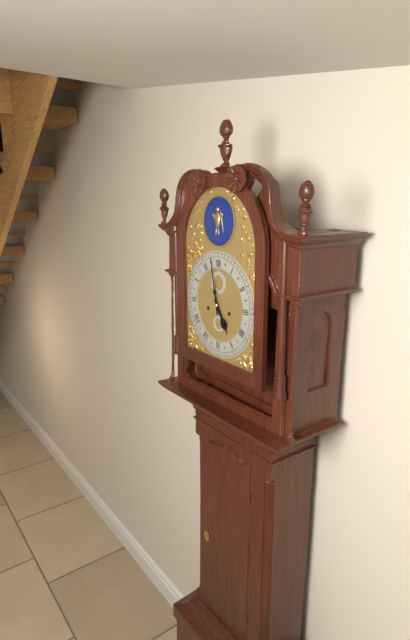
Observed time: 4:58
